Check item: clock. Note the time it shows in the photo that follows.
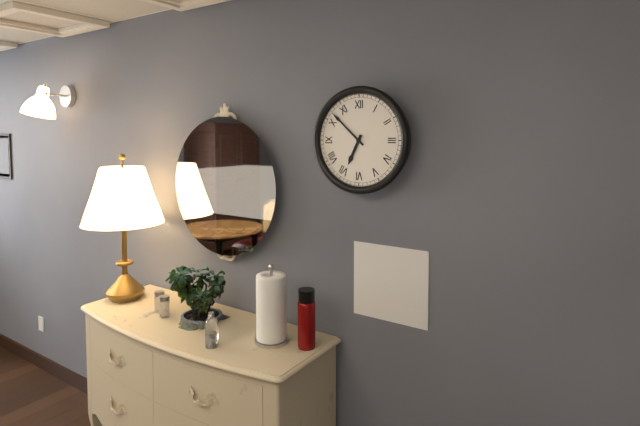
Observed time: 6:52
